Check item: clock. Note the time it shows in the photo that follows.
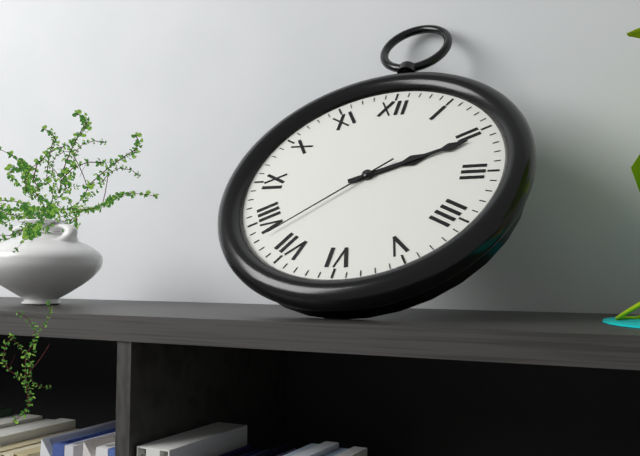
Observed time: 2:11:38
